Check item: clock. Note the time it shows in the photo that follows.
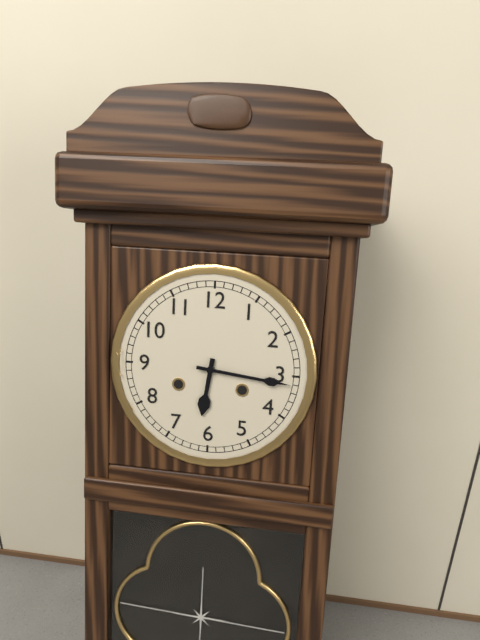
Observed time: 6:16
